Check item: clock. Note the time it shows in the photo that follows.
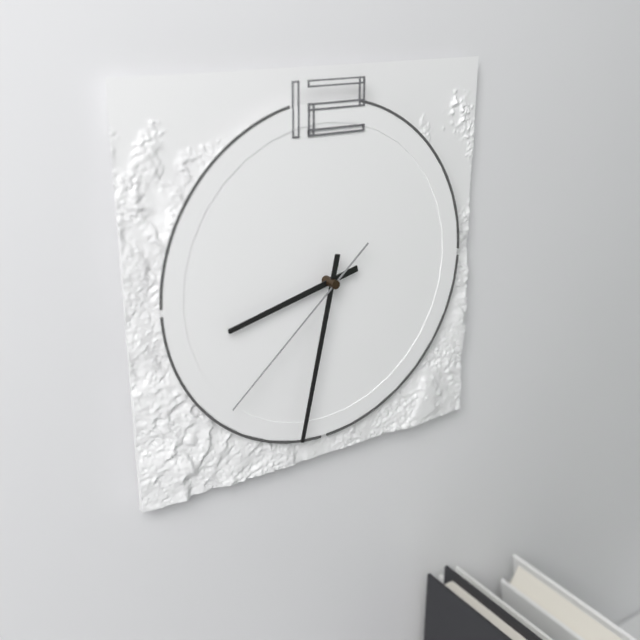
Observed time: 8:32:38
